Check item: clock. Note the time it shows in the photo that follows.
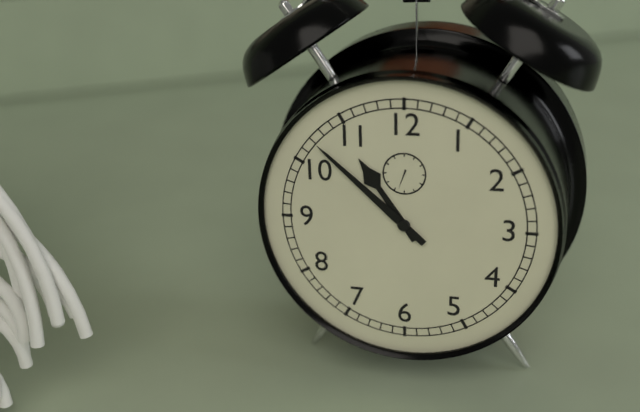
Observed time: 10:52
